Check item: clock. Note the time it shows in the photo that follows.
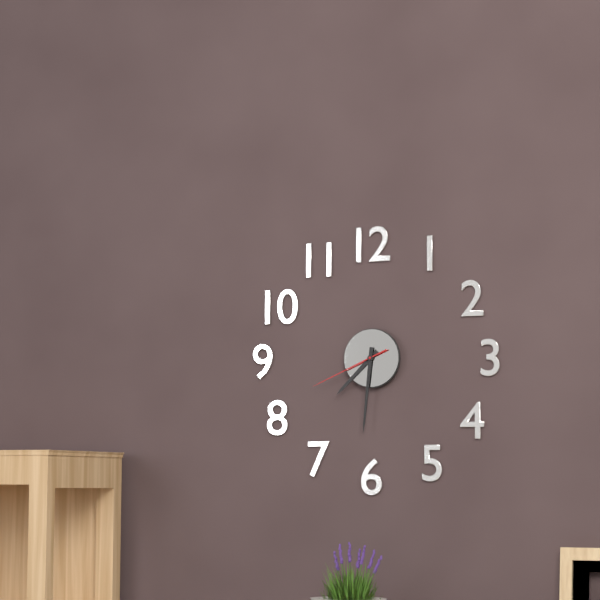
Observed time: 7:31:41
